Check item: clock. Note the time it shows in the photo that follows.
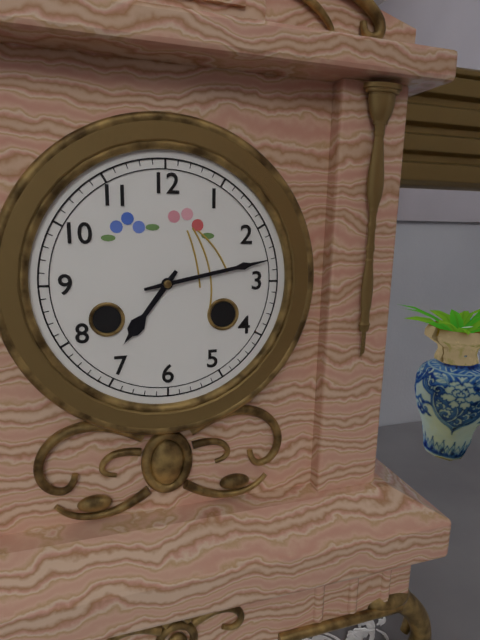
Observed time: 7:13
